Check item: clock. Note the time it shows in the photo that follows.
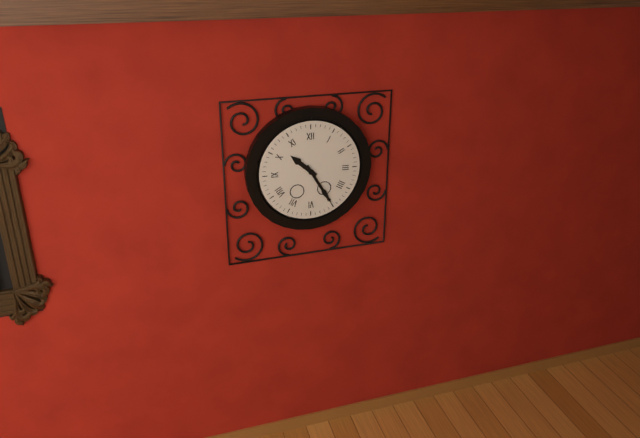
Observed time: 10:25
